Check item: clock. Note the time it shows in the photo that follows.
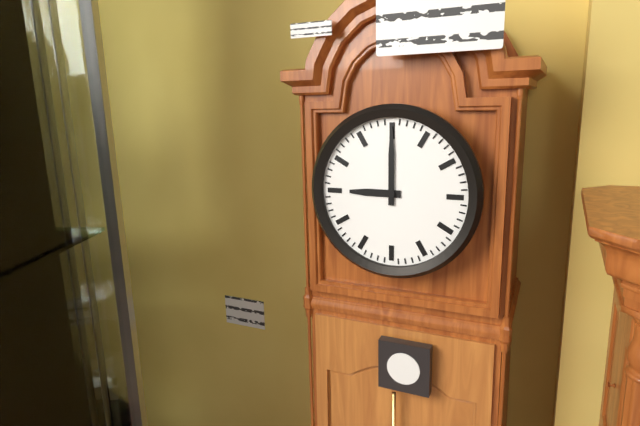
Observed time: 9:00
